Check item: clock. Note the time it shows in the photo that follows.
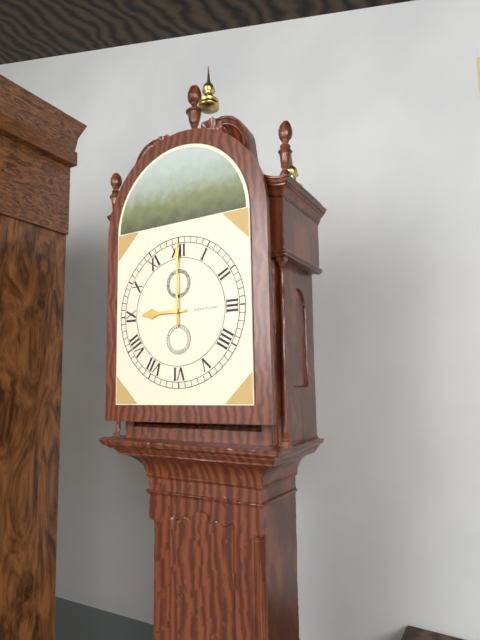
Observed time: 9:00
